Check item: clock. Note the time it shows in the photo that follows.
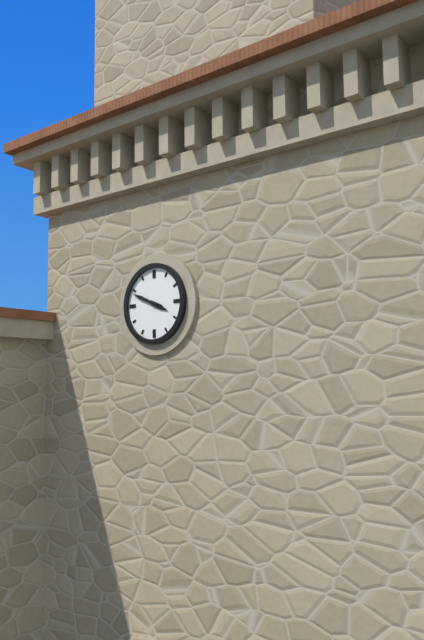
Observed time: 3:49
